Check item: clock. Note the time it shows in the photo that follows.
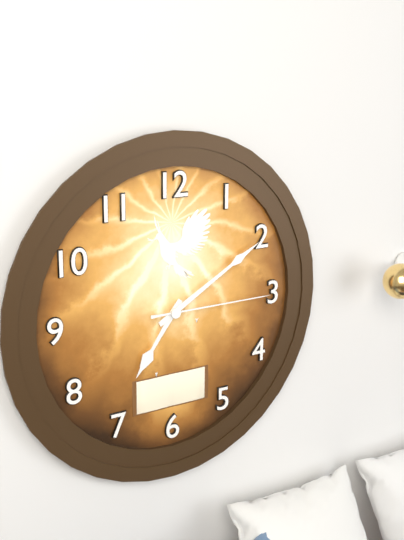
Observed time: 7:10:15
